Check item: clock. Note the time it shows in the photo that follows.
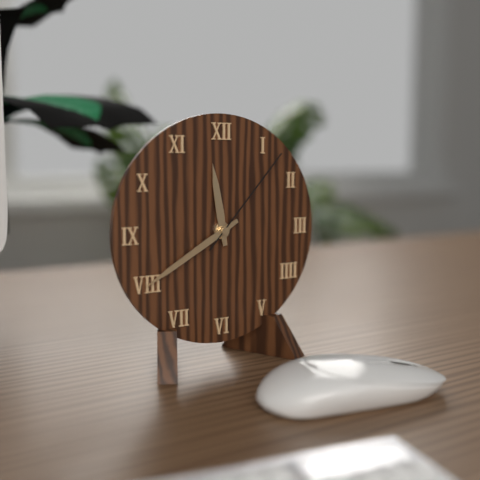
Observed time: 11:40:07
